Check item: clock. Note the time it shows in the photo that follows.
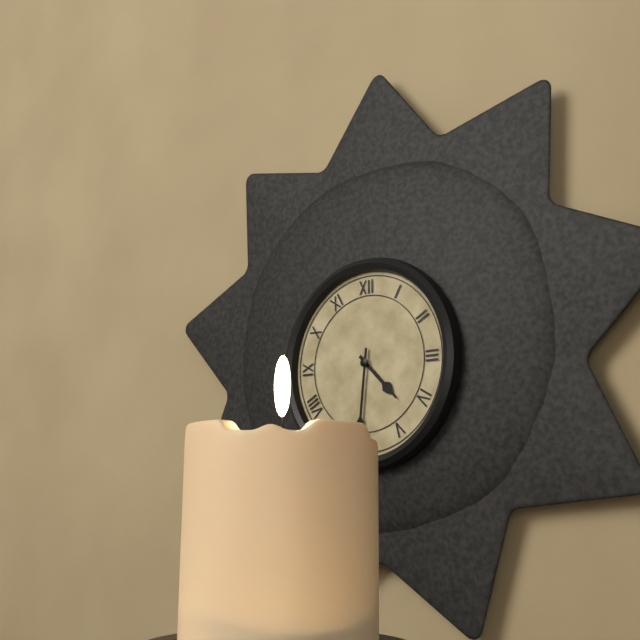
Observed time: 4:31
